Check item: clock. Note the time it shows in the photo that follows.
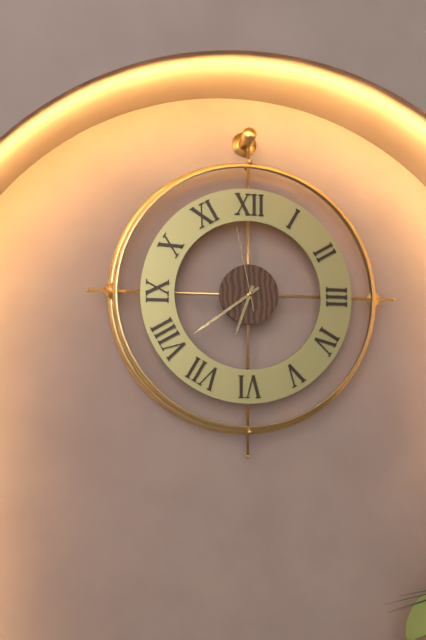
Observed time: 6:39:58
